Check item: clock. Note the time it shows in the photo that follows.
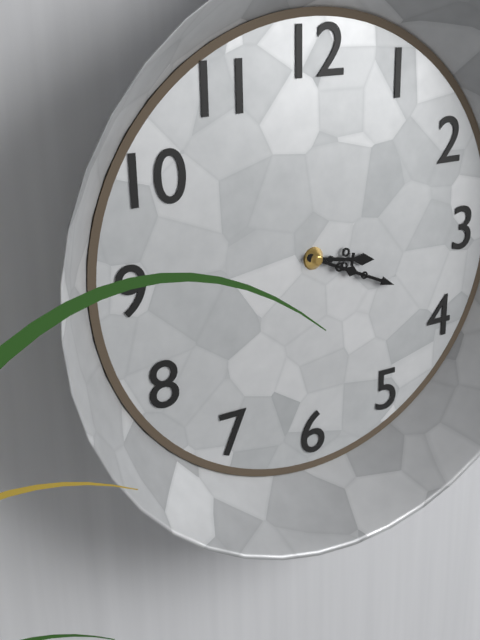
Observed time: 3:19
